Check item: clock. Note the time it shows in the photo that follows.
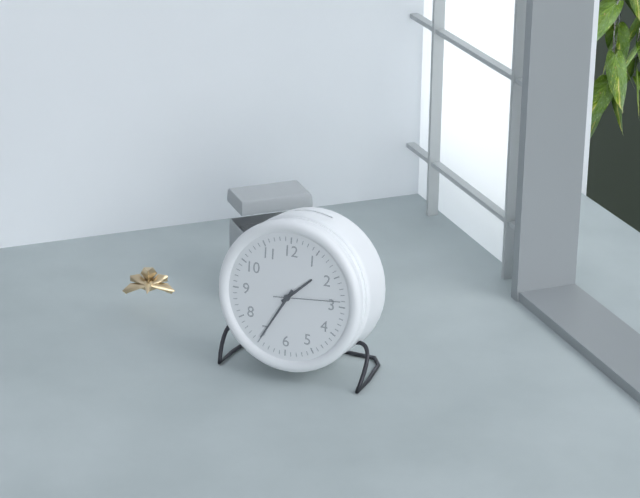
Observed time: 1:35:14
